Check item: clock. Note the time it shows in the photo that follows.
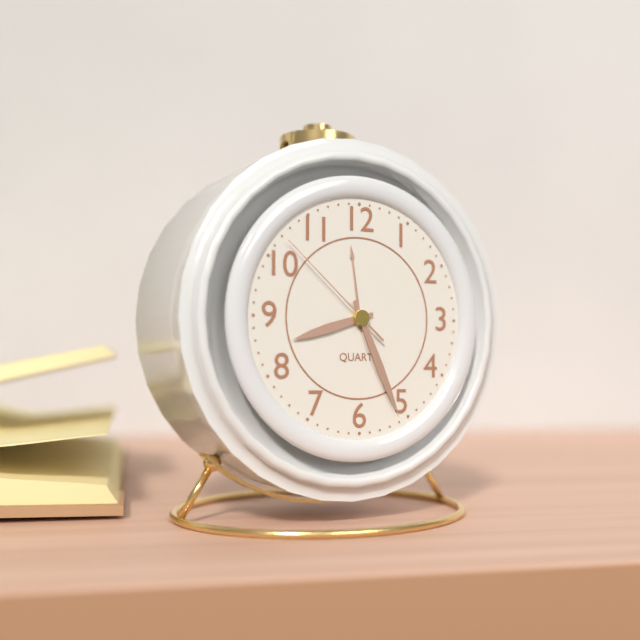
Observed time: 8:26:52
